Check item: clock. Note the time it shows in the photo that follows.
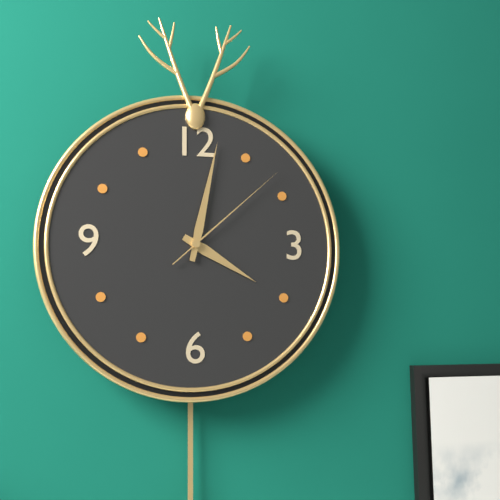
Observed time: 4:02:08
